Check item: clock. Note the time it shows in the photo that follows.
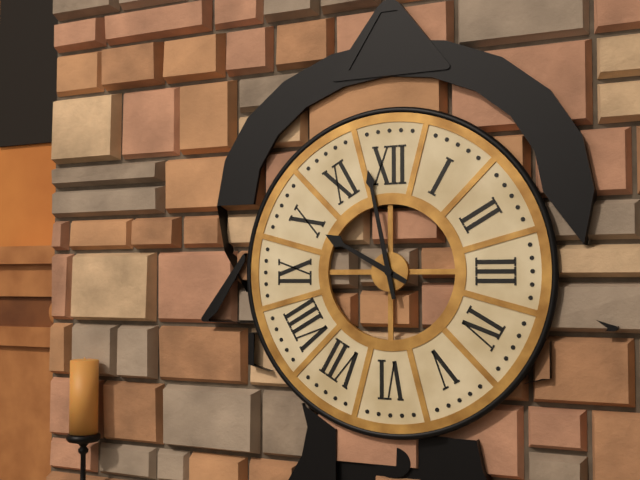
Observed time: 9:58
